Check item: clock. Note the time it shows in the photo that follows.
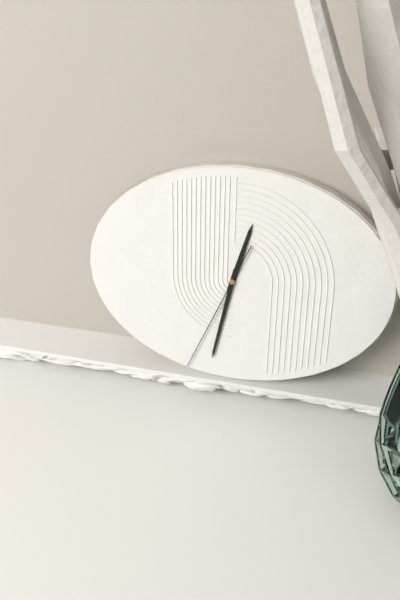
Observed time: 12:32:34
